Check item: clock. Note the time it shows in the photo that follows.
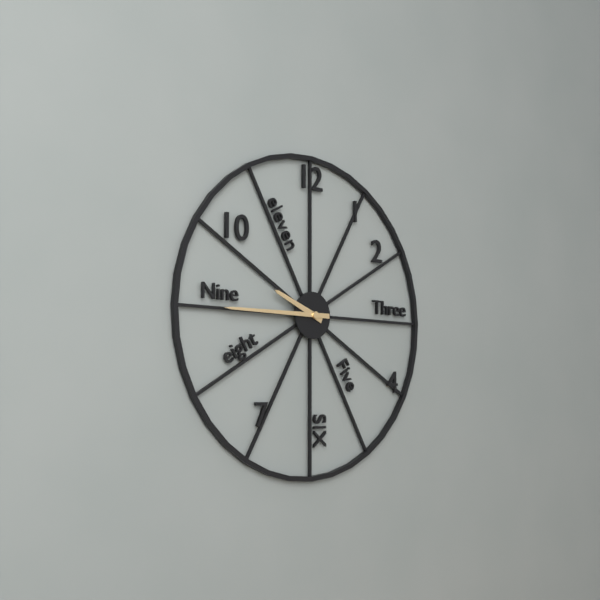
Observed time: 9:45
